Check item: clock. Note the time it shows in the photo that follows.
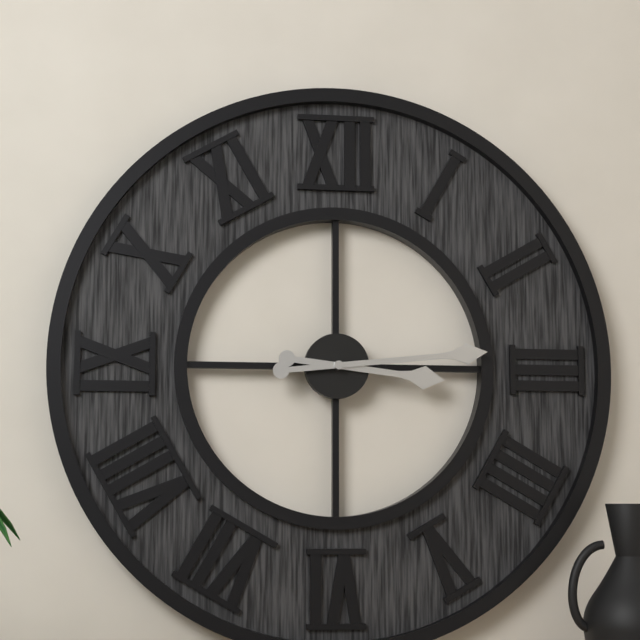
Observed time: 3:14
